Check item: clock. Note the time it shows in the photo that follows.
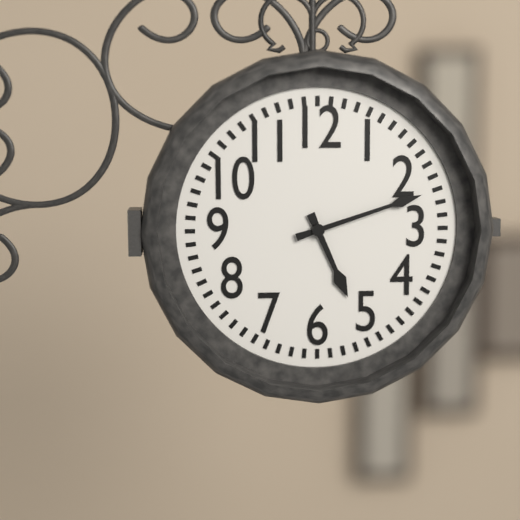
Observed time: 5:12
